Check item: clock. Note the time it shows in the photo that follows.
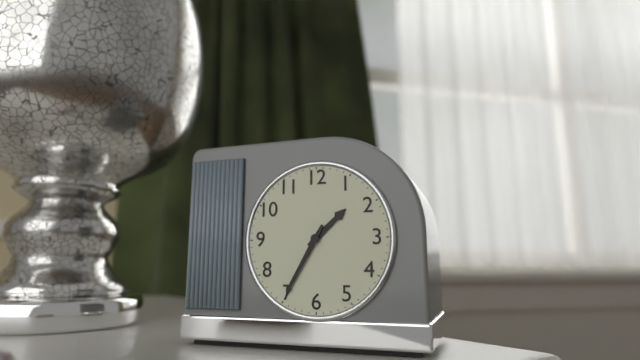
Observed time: 1:35
